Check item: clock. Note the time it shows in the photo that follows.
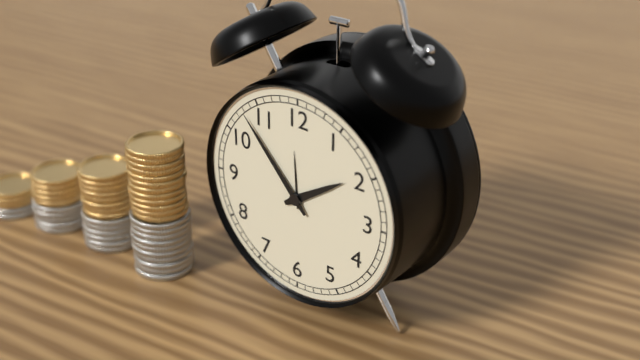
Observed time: 1:53
